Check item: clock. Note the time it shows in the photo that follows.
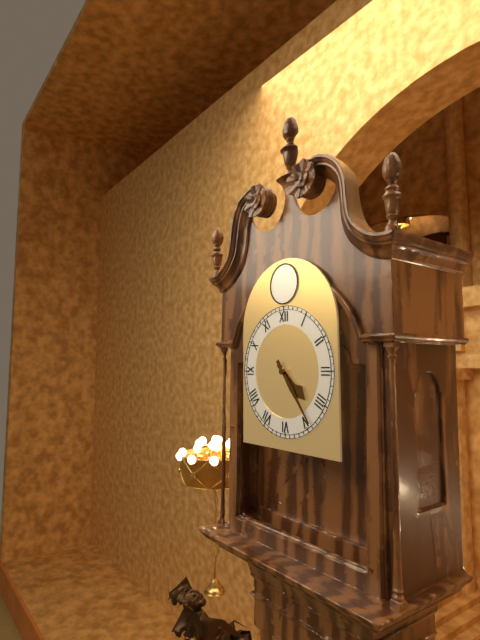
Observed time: 4:24
